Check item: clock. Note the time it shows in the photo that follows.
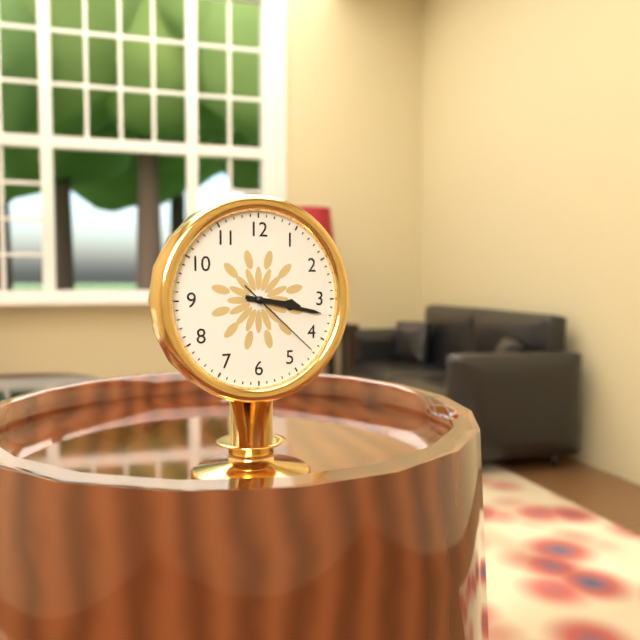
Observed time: 3:17:22
